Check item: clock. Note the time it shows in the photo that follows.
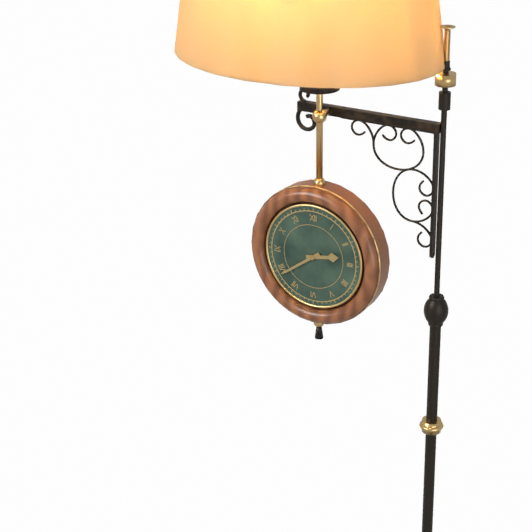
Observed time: 2:39
